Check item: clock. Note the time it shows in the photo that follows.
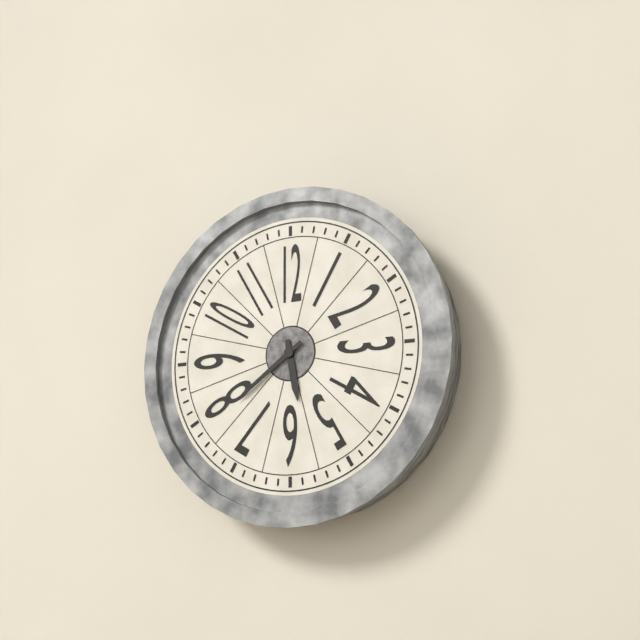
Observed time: 5:39
